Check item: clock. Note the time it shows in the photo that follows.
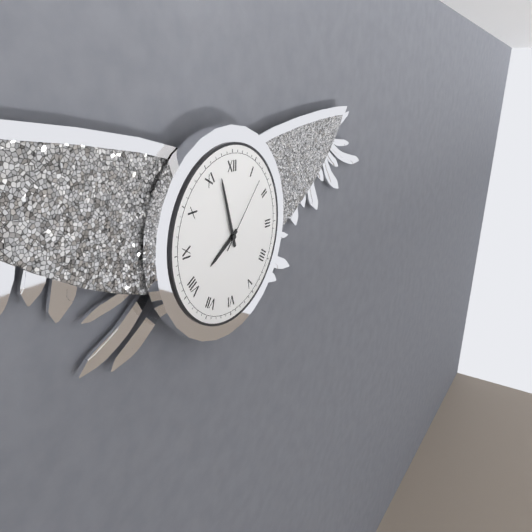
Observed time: 7:57:07
